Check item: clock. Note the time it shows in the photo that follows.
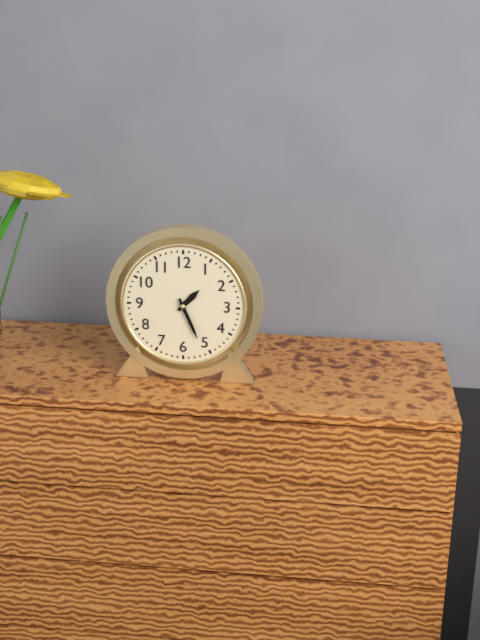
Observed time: 1:26
